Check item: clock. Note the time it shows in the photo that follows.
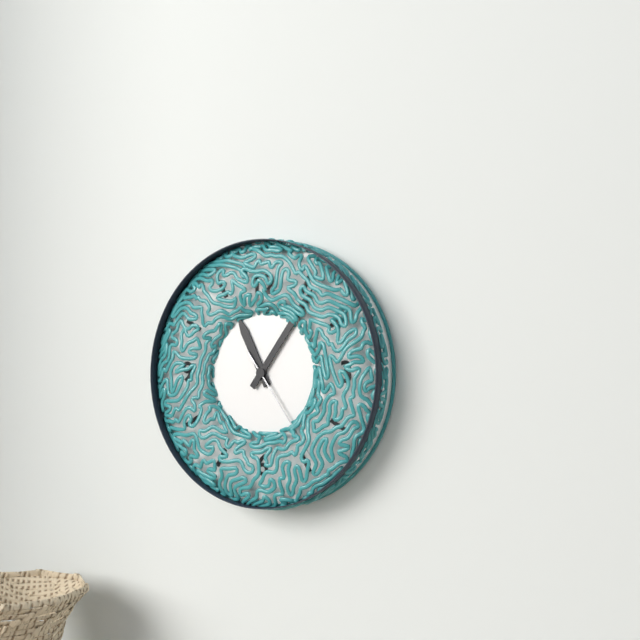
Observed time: 11:06:24
